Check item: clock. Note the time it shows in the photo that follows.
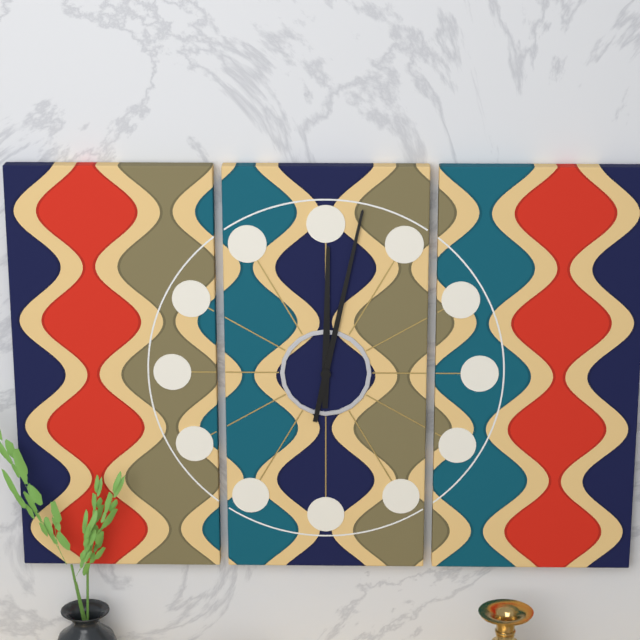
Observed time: 12:02
